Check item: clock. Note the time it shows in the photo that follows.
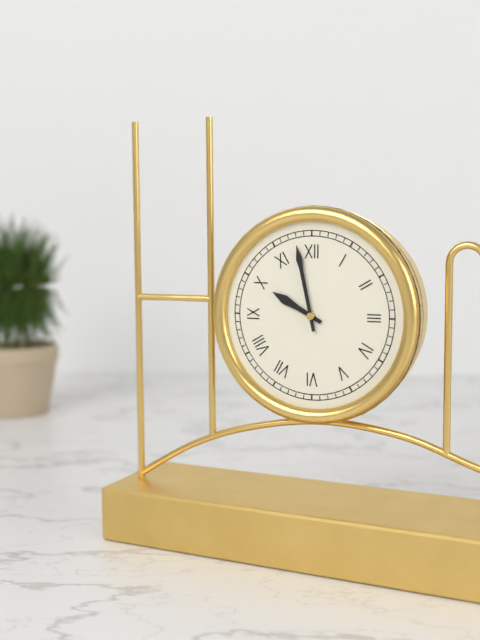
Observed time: 9:58
